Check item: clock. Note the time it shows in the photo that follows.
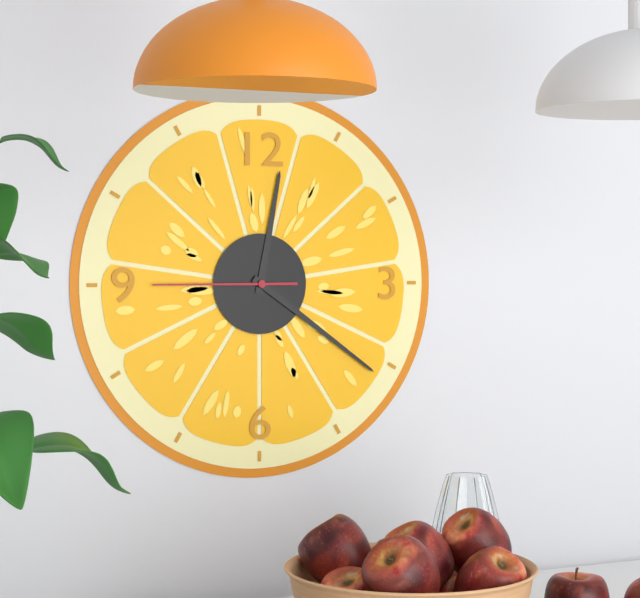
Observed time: 12:21:45
